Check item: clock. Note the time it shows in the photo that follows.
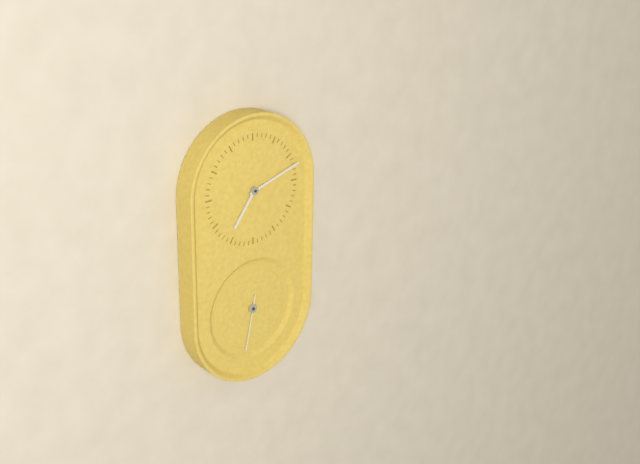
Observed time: 7:12:32
